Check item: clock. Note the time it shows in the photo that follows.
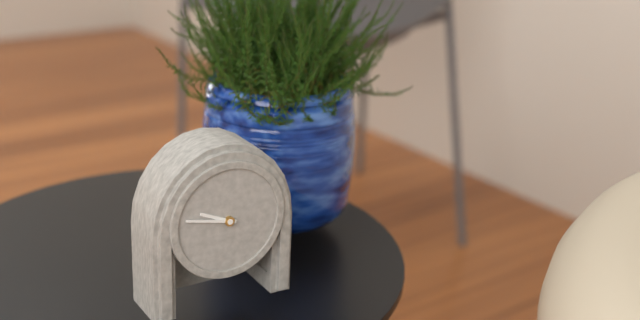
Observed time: 9:47
